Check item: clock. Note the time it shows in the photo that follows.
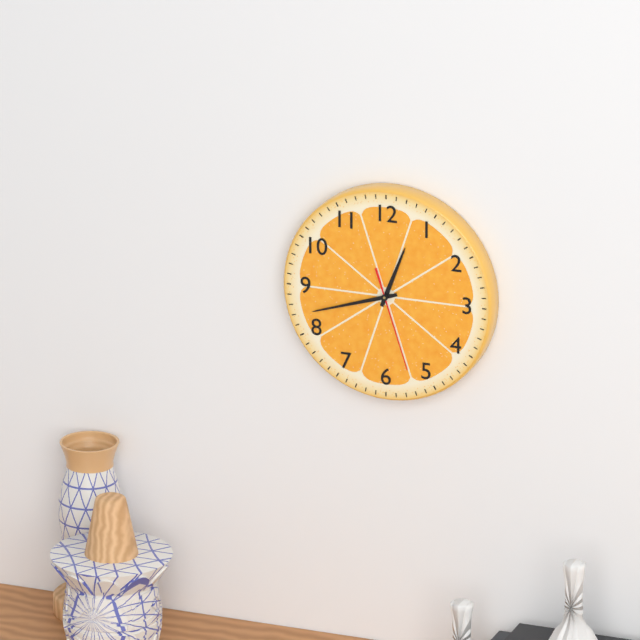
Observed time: 12:42:27
